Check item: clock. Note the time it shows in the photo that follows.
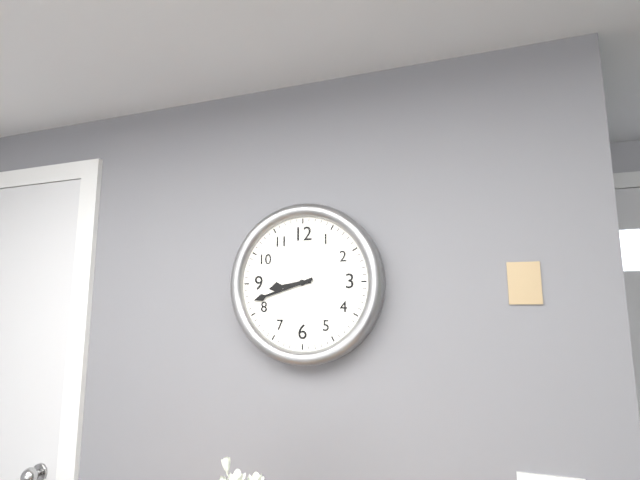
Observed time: 8:42
